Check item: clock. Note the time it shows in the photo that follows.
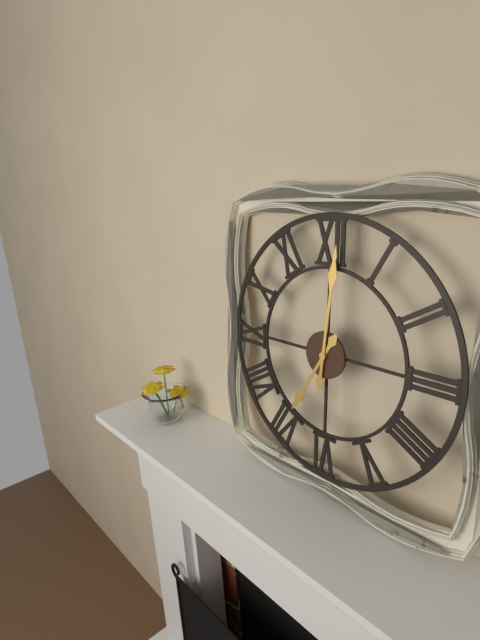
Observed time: 7:01
